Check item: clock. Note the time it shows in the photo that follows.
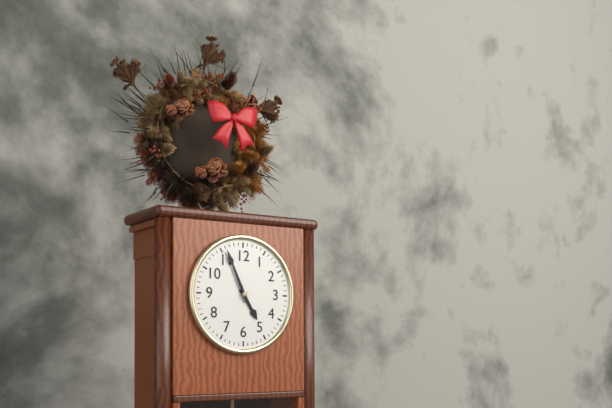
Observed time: 4:56
